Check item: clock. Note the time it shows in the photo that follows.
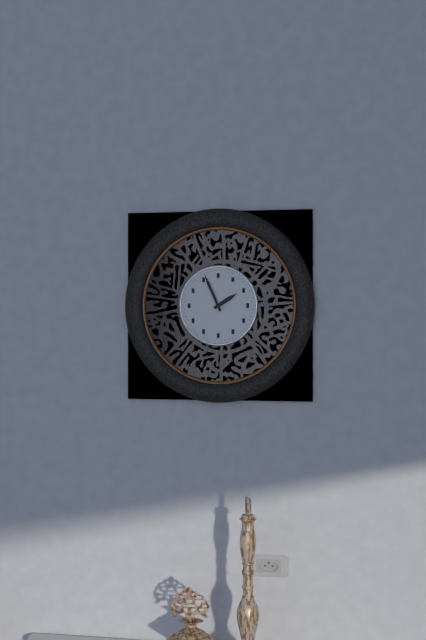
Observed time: 1:56
